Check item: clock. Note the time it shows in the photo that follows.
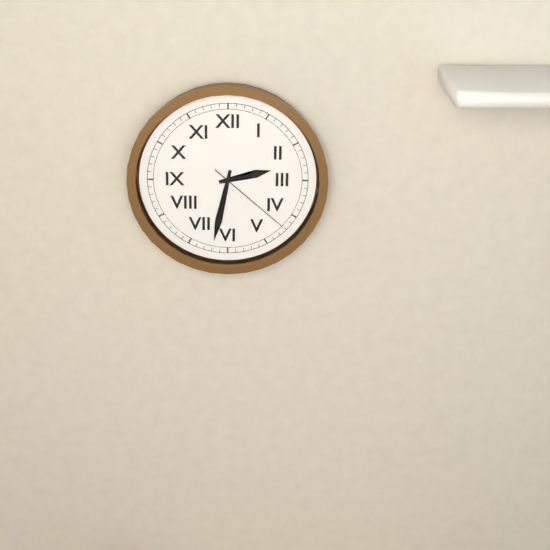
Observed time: 2:32:22
